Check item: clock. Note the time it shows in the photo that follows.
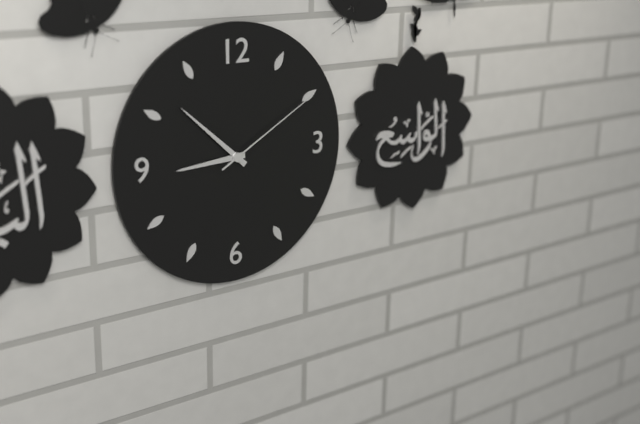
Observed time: 8:52:10
